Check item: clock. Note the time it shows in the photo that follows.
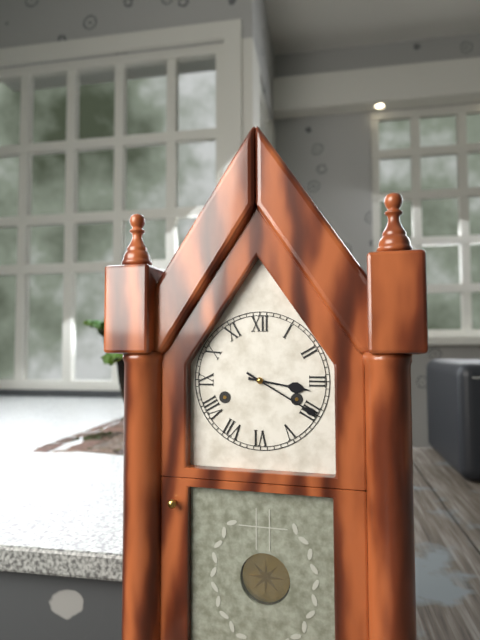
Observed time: 3:20
